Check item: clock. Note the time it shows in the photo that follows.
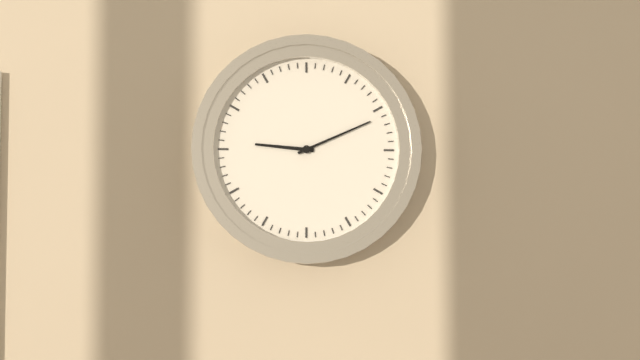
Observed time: 9:11
